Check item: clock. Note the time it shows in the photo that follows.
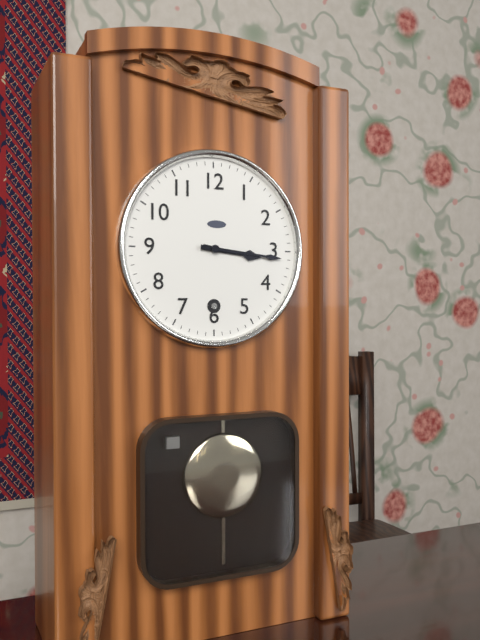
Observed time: 3:16
